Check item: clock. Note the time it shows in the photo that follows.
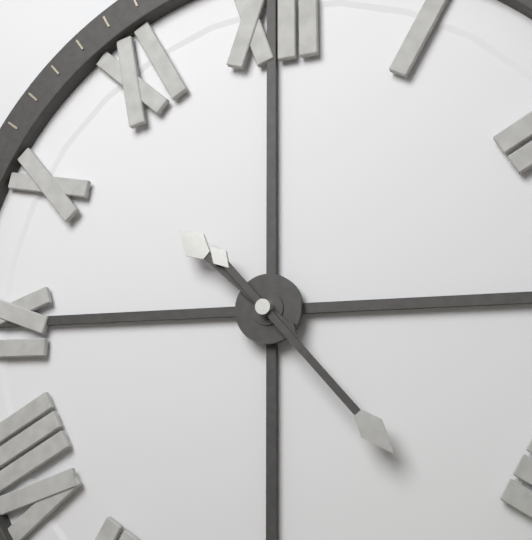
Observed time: 10:23
